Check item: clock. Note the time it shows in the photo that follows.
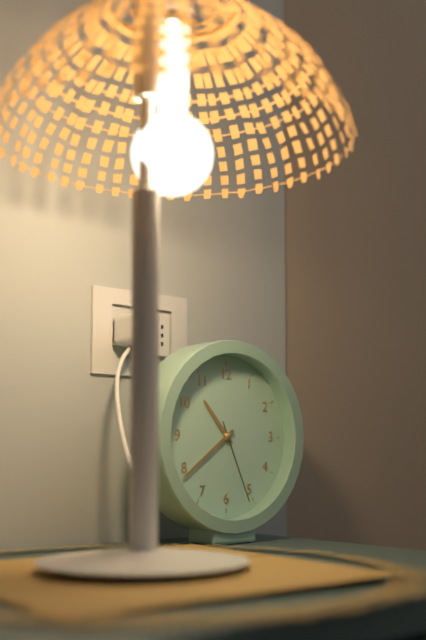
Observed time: 10:39:26
